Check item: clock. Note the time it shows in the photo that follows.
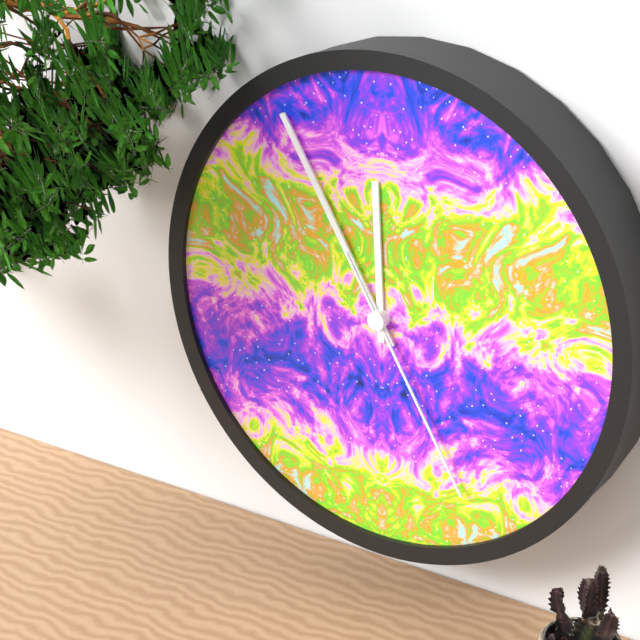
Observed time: 11:55:25
